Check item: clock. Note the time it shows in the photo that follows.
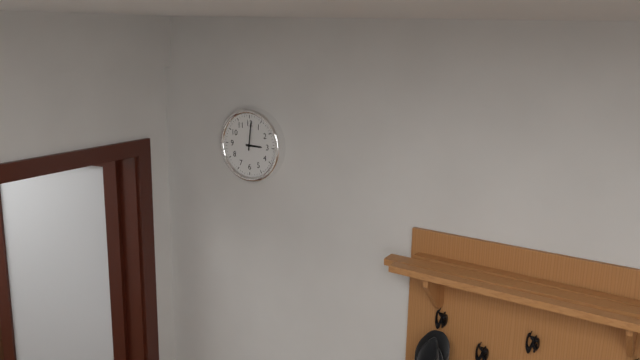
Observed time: 3:01
